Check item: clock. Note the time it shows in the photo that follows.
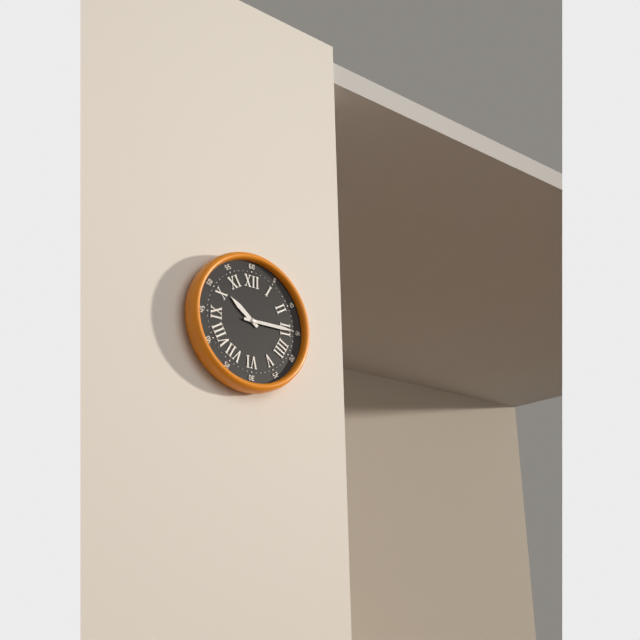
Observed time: 10:15
